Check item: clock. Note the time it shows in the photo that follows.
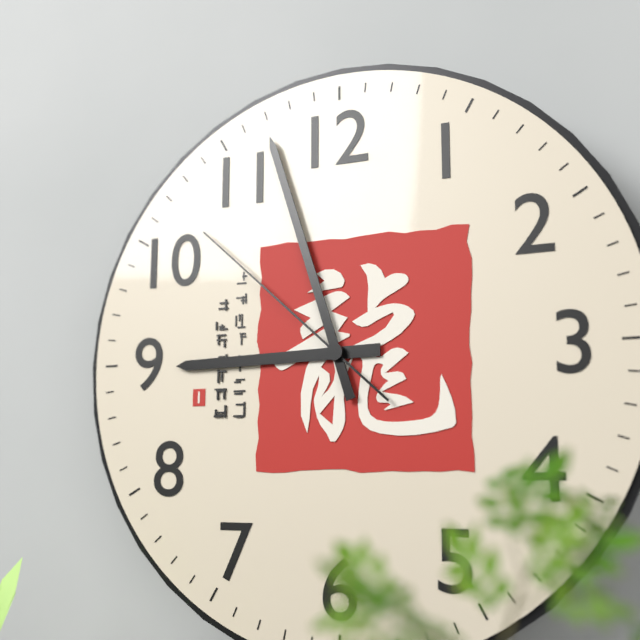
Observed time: 8:57:52
